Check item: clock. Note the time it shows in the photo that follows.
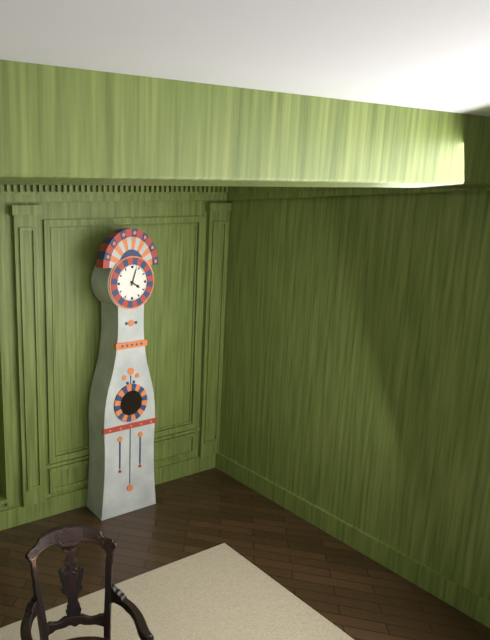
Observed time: 4:03
